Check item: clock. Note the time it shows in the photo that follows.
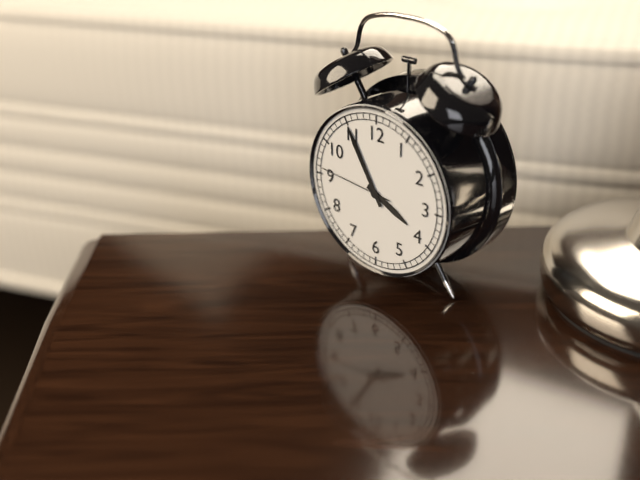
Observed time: 3:55:46
